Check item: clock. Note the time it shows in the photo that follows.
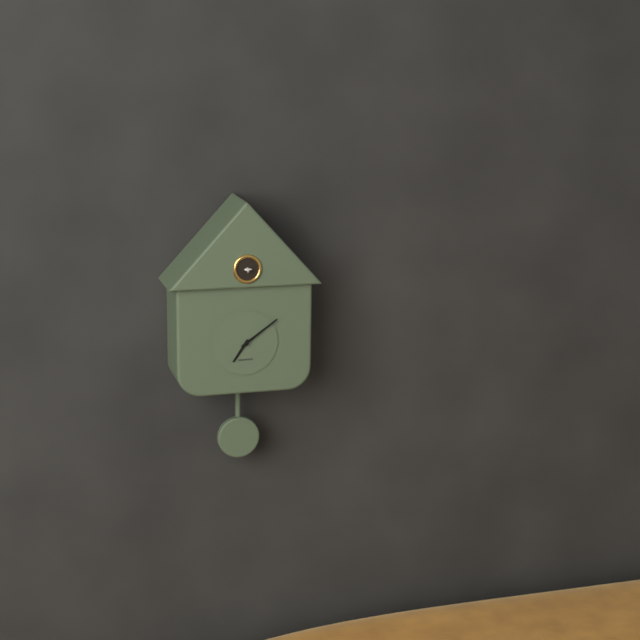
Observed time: 7:09
